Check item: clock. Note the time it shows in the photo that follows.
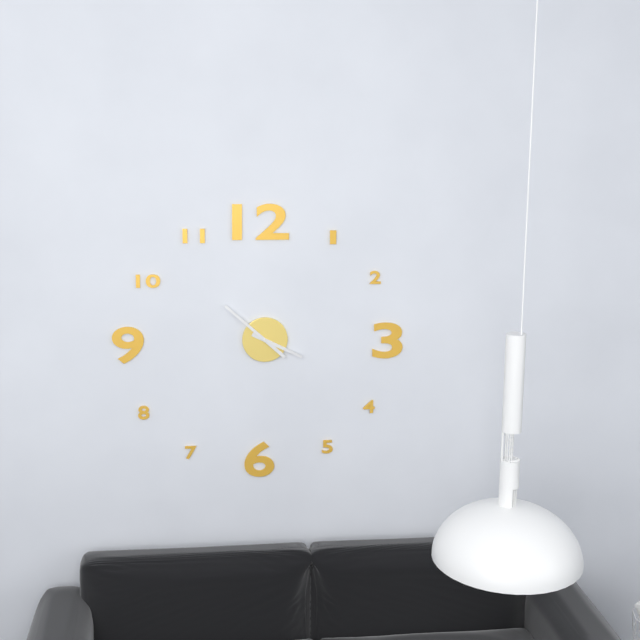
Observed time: 3:52
